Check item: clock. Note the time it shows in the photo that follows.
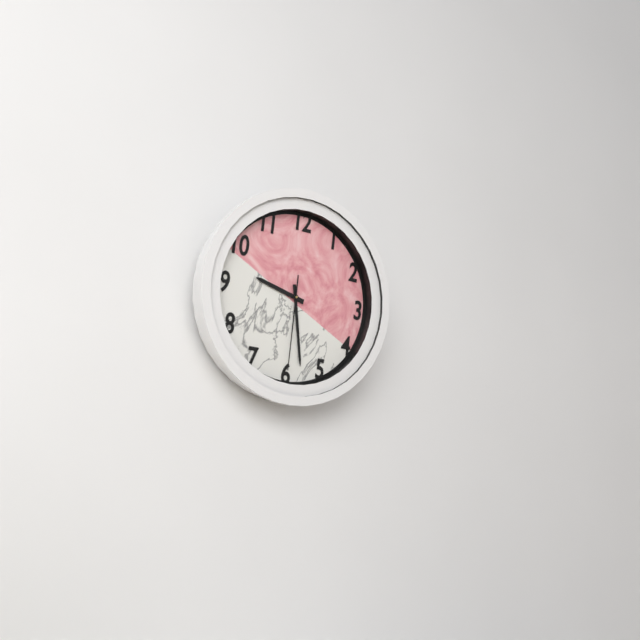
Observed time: 9:28:30
